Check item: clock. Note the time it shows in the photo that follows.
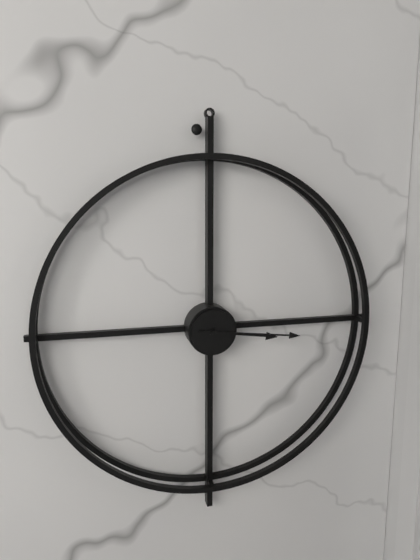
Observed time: 3:16
